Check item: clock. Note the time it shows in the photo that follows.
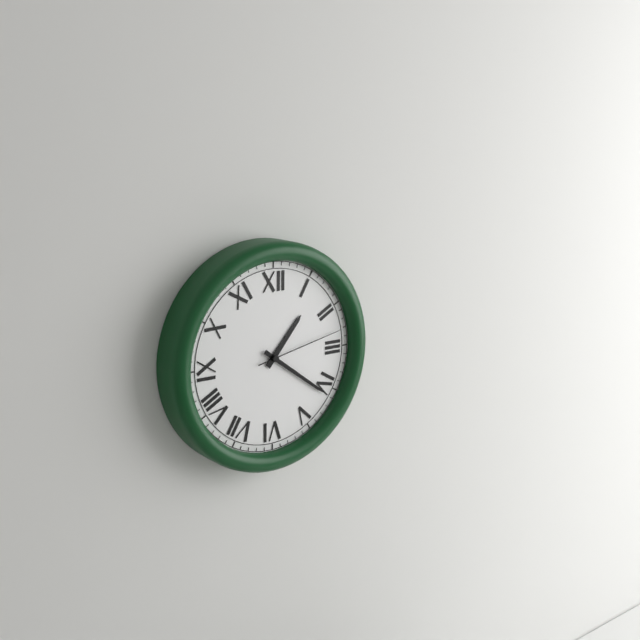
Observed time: 1:21:13
